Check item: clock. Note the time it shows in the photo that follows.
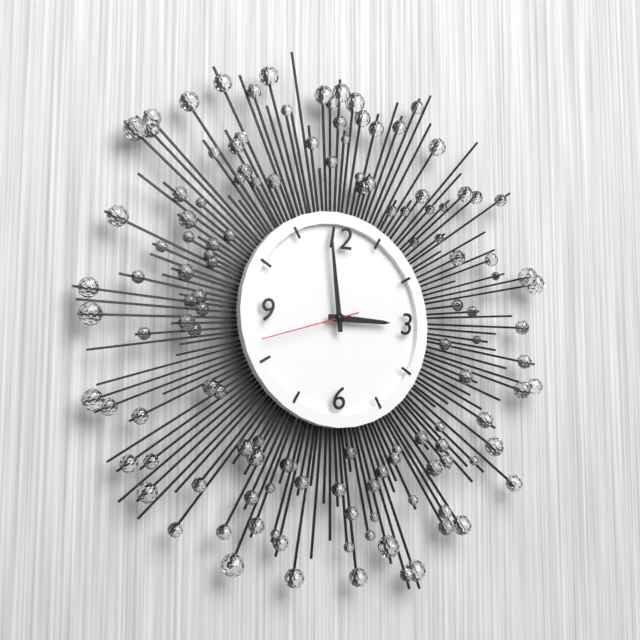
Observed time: 2:59:42
